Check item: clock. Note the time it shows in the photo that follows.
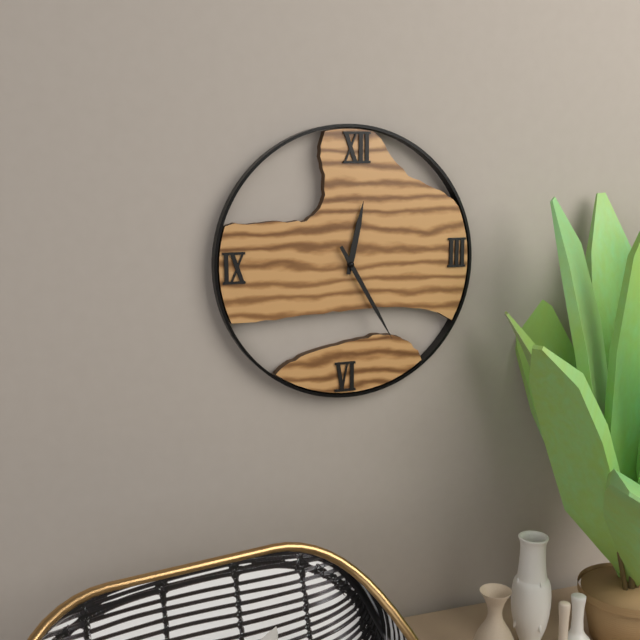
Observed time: 12:25
